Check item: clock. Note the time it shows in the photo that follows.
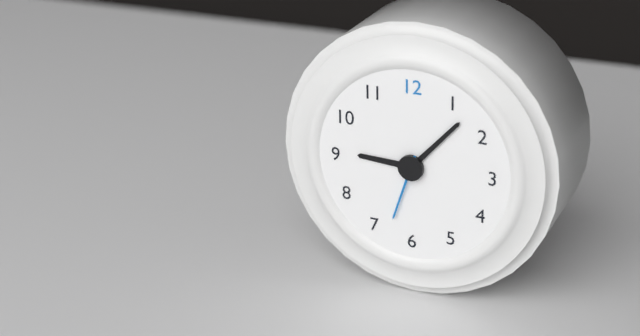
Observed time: 9:07:33
